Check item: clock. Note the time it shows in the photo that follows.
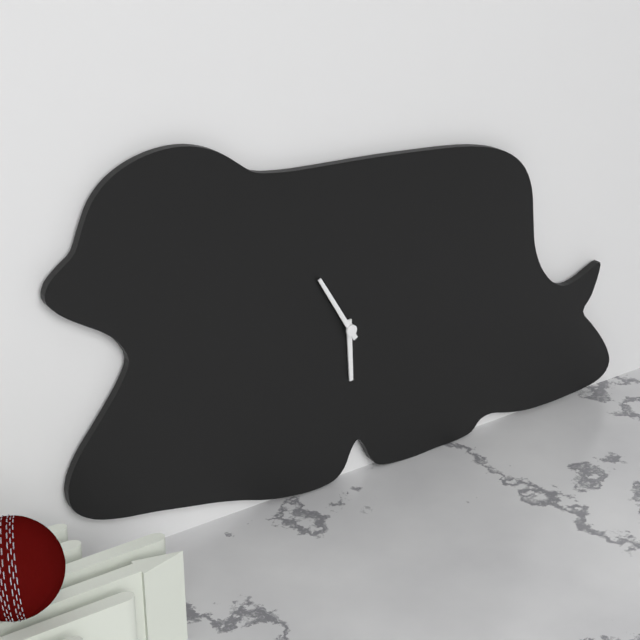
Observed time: 5:55
